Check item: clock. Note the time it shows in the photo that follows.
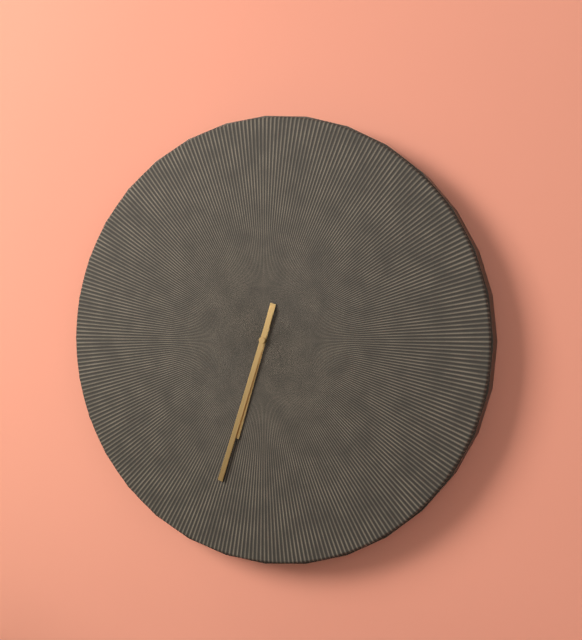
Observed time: 6:33
